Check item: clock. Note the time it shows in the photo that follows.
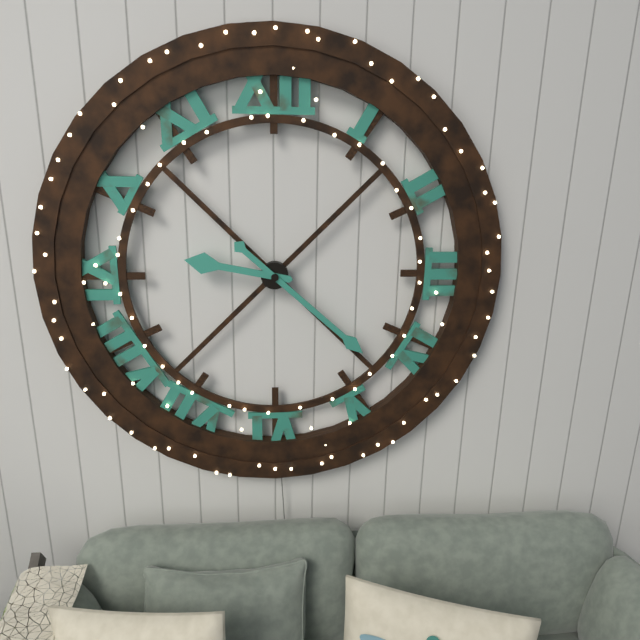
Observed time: 9:22
